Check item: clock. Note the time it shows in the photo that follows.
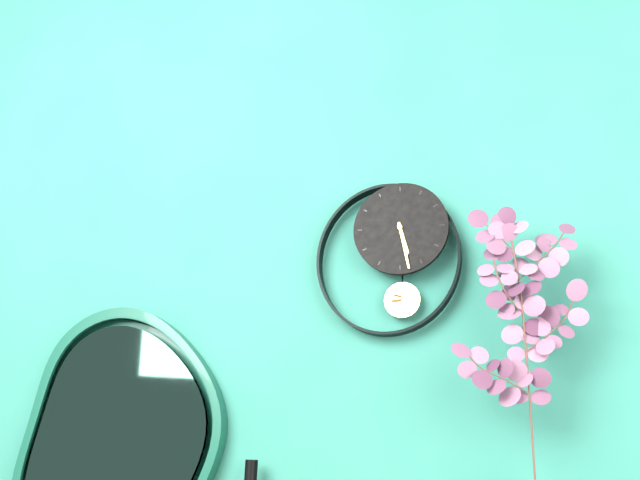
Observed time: 5:28
